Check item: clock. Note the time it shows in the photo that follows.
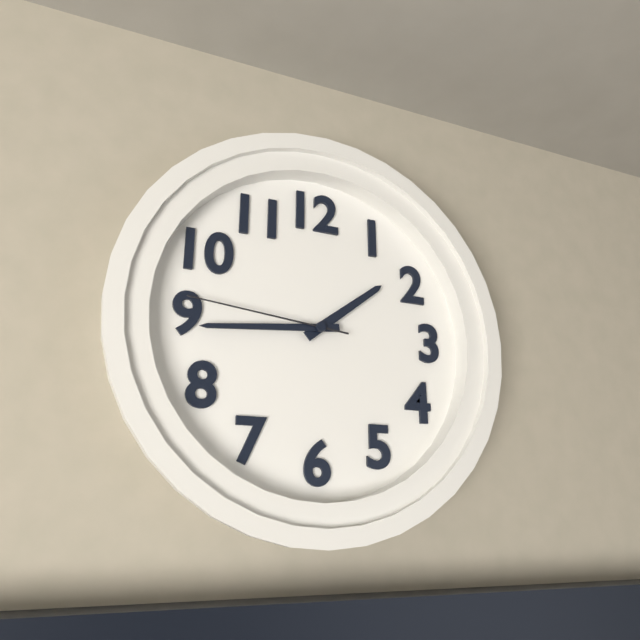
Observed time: 1:44:46
